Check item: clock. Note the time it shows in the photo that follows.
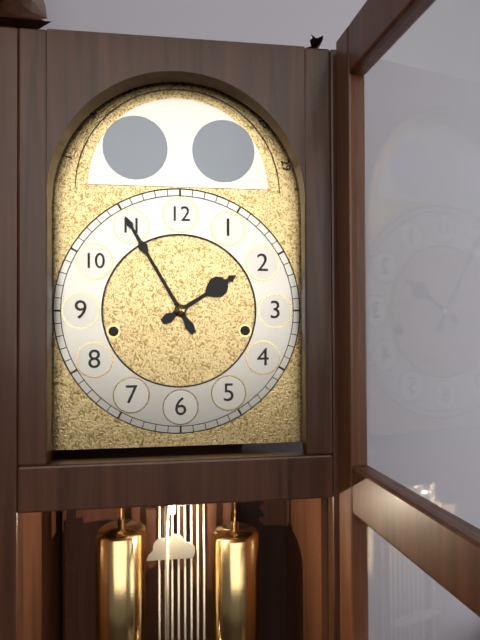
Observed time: 1:55
